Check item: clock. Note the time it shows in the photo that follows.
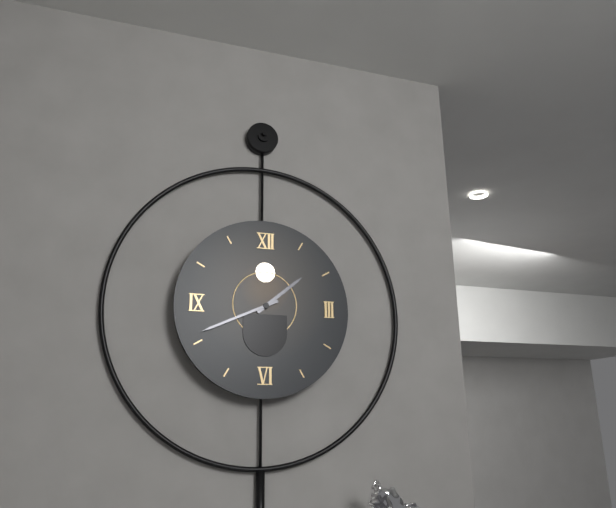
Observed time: 1:41
